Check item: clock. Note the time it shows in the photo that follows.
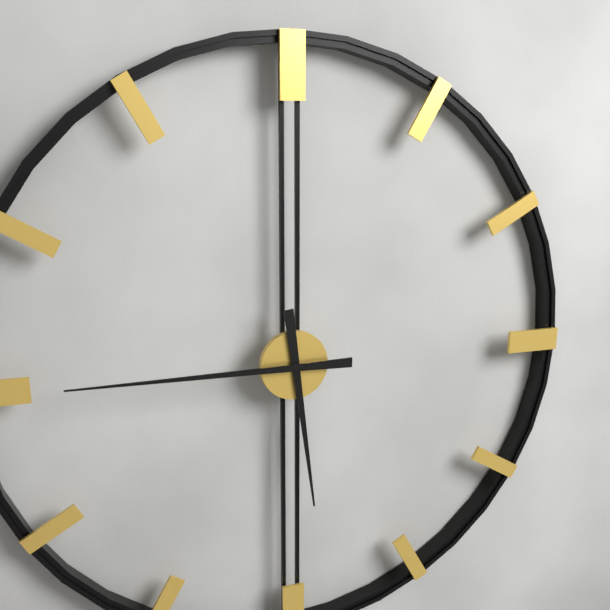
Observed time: 5:45
